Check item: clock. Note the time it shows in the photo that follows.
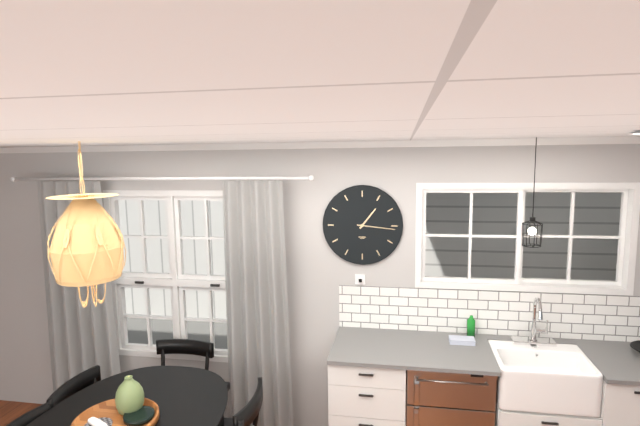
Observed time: 1:16
